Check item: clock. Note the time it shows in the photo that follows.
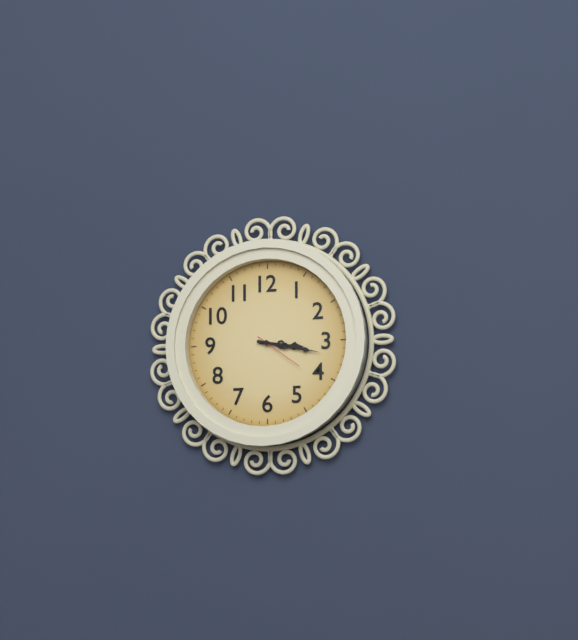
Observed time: 3:17
